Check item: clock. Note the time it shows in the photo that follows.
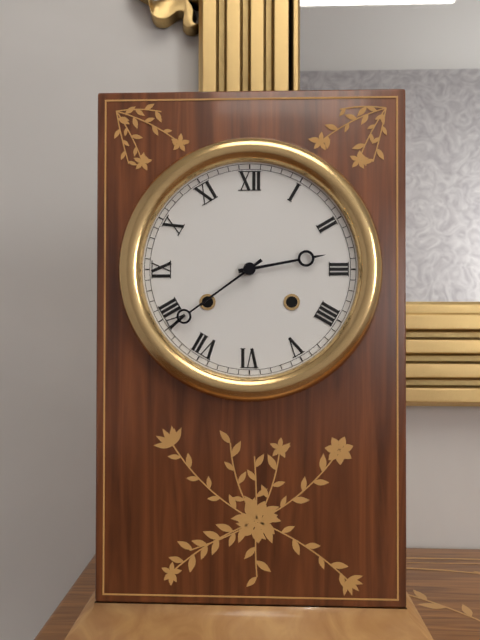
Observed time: 2:39
